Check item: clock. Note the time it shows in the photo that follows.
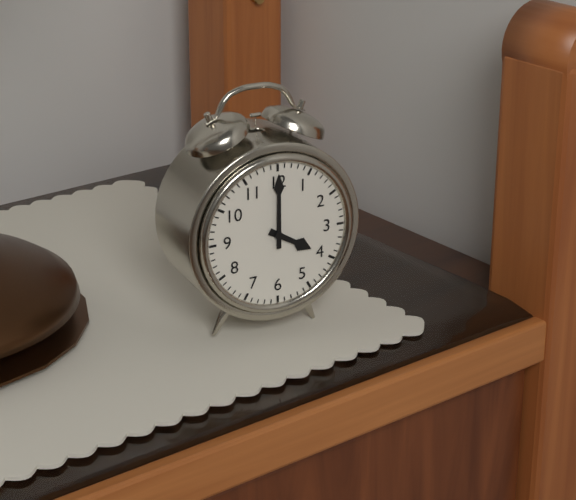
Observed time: 4:00
